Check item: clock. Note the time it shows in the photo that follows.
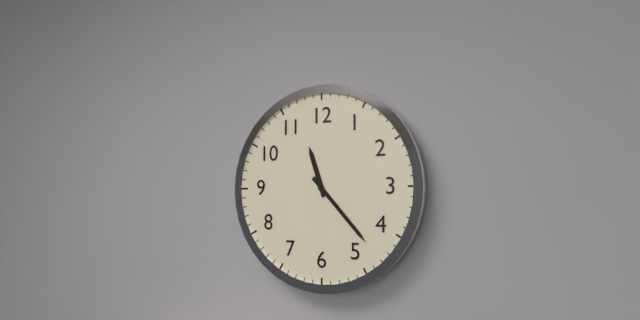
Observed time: 11:23
